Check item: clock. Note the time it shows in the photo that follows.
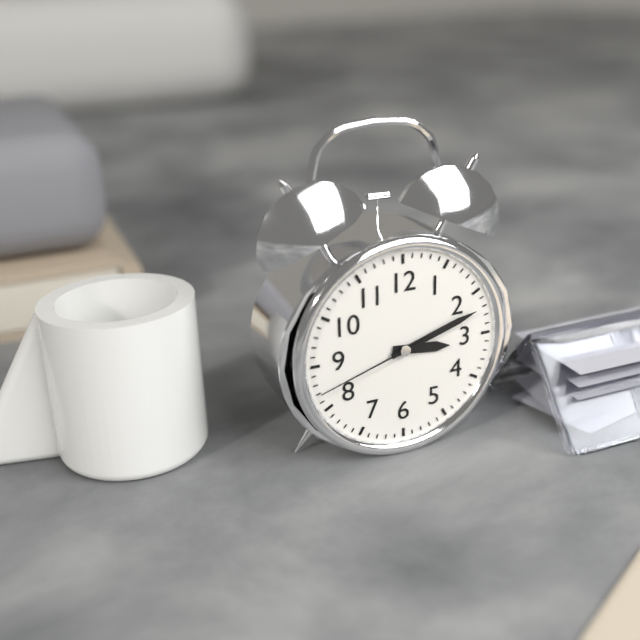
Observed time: 3:12:42
